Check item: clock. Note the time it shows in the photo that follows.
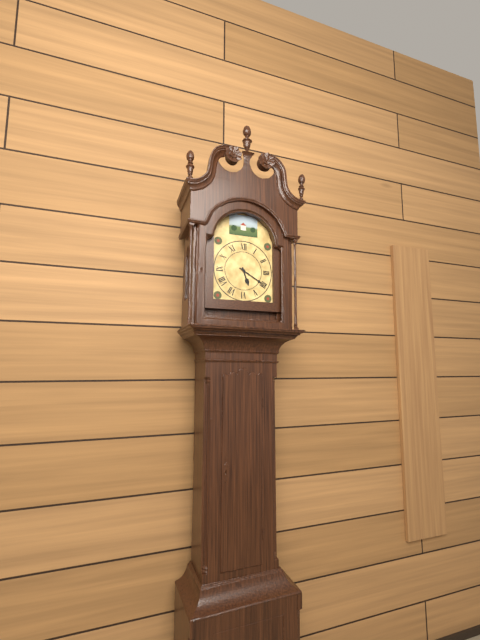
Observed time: 5:20
